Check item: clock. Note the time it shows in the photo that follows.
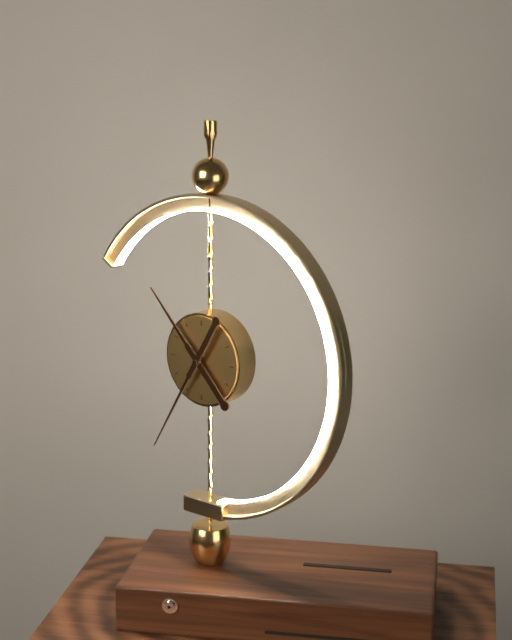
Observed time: 10:35
